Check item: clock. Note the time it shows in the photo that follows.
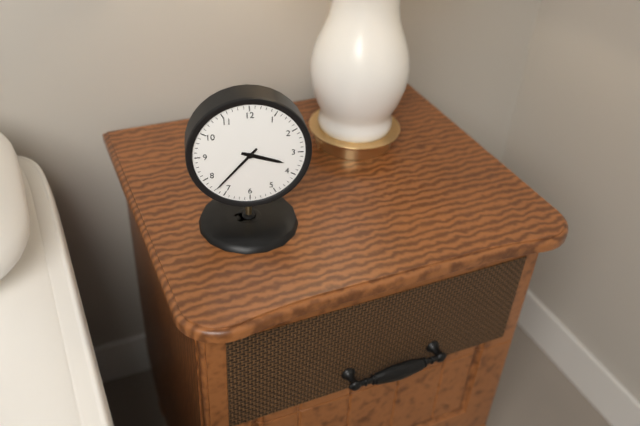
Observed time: 3:37
